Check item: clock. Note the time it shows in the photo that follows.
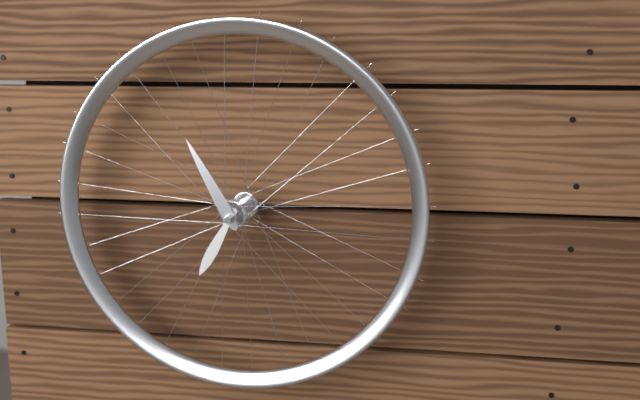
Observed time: 6:55
